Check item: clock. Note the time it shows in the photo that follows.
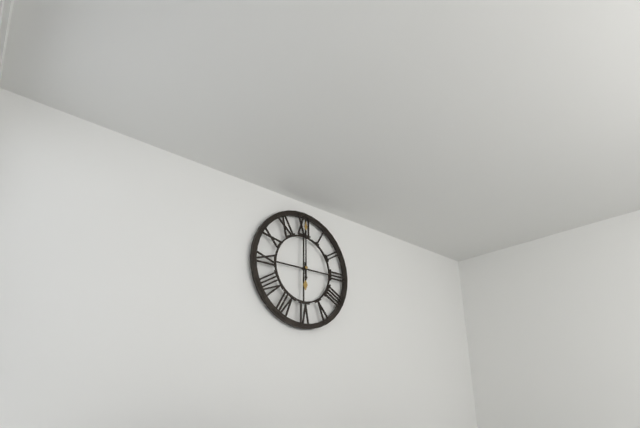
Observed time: 6:00
